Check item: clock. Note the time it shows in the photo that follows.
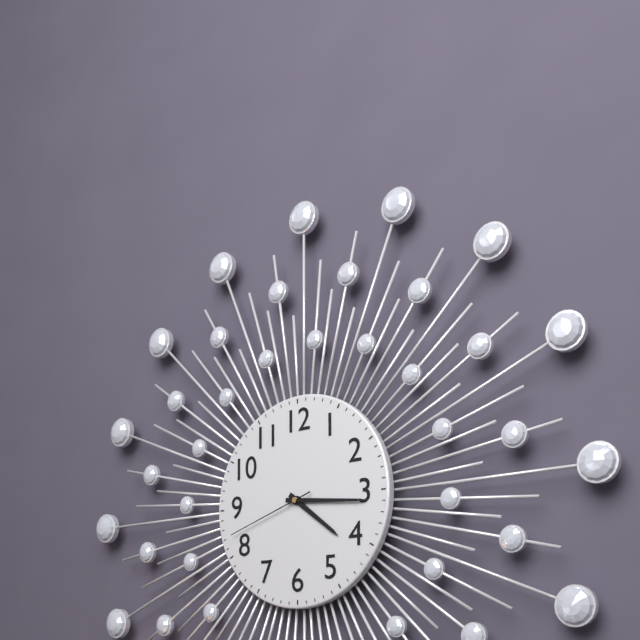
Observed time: 4:16:42
